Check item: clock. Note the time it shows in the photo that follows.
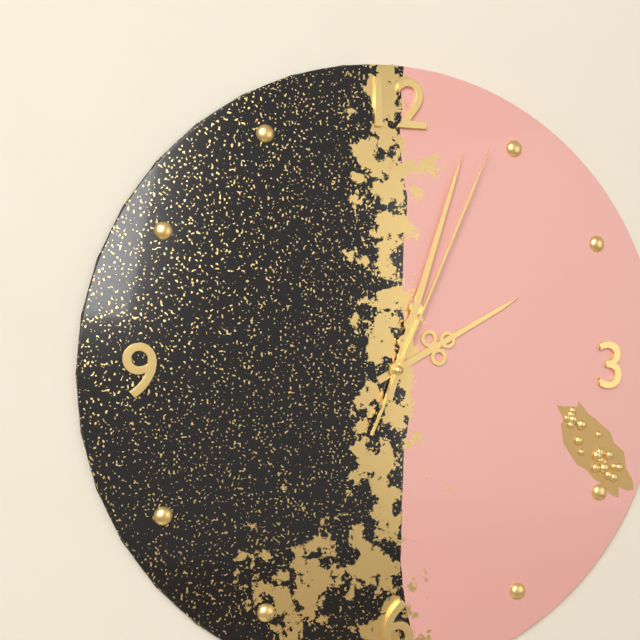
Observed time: 2:03:04
